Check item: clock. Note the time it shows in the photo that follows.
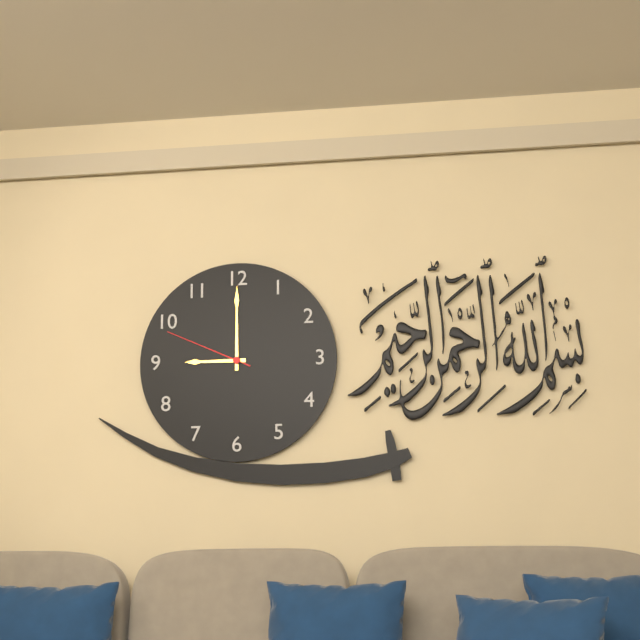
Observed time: 9:00:49
